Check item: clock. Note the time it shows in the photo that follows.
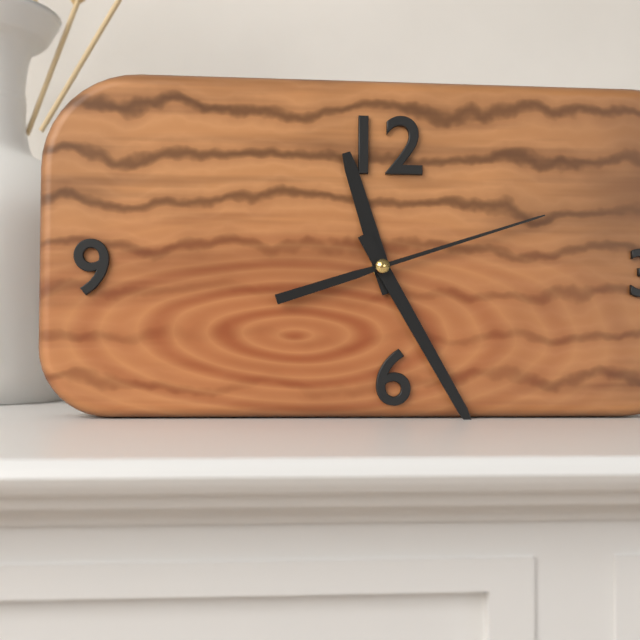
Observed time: 11:25:12
